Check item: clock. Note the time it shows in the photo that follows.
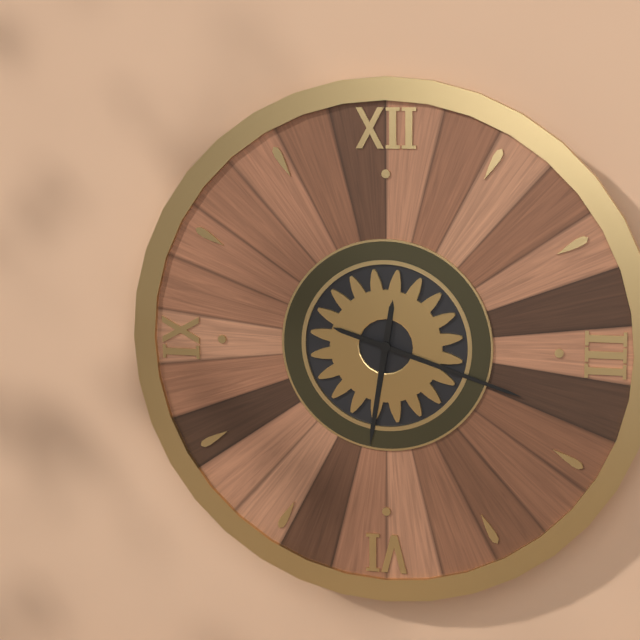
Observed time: 6:18
